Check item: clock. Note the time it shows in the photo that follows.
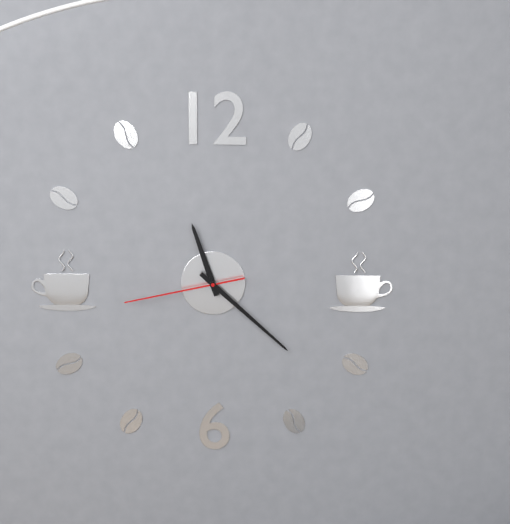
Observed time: 11:22:43
